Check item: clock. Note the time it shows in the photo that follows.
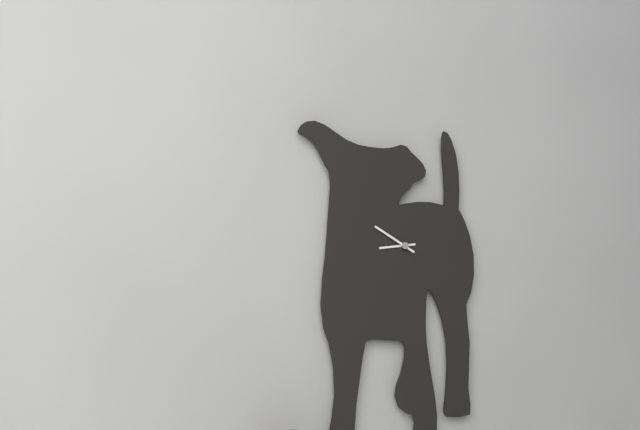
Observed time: 8:50
